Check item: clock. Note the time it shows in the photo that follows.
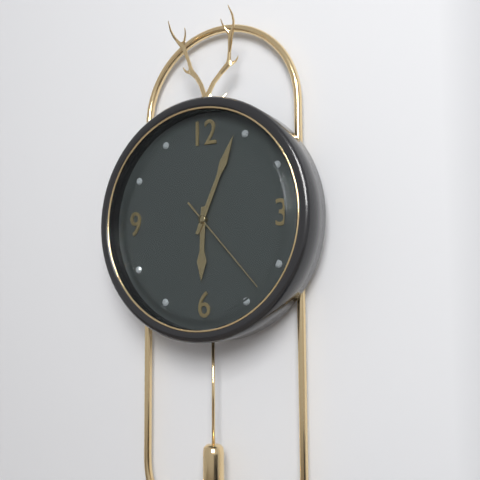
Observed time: 6:04:23
